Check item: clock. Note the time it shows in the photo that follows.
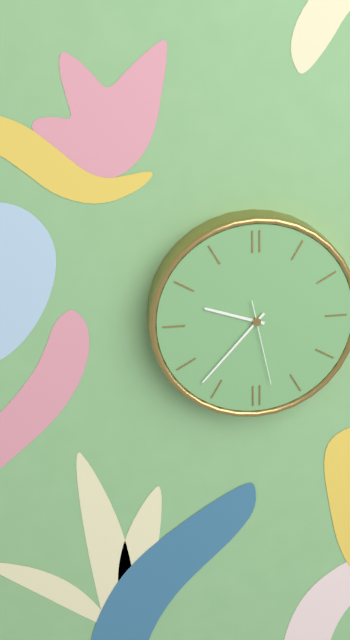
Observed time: 9:37:28
